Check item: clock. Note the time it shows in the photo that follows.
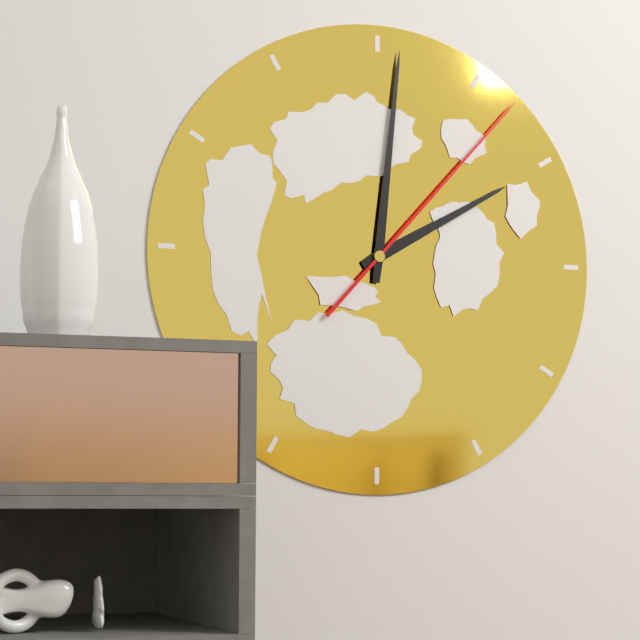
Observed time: 2:01:07
